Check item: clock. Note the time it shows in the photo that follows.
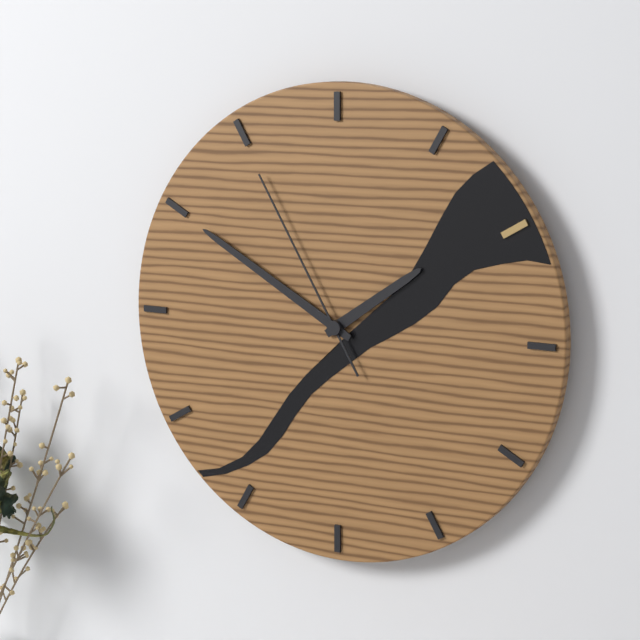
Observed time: 1:50:55
